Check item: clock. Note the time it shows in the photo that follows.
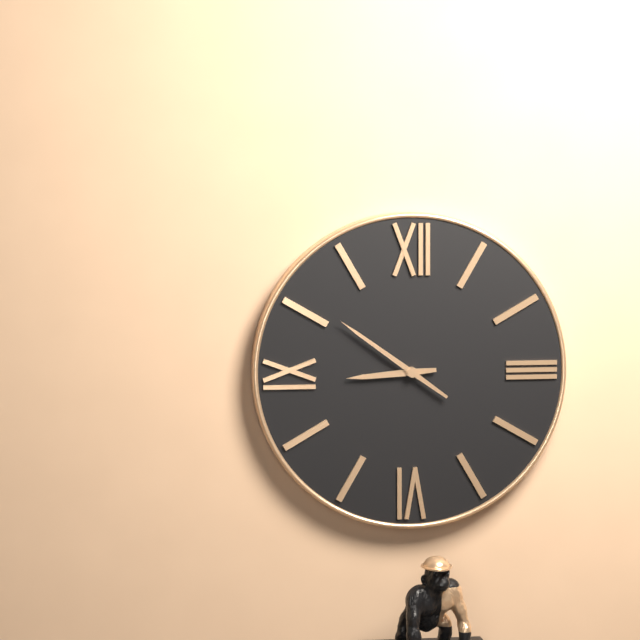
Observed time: 8:51
